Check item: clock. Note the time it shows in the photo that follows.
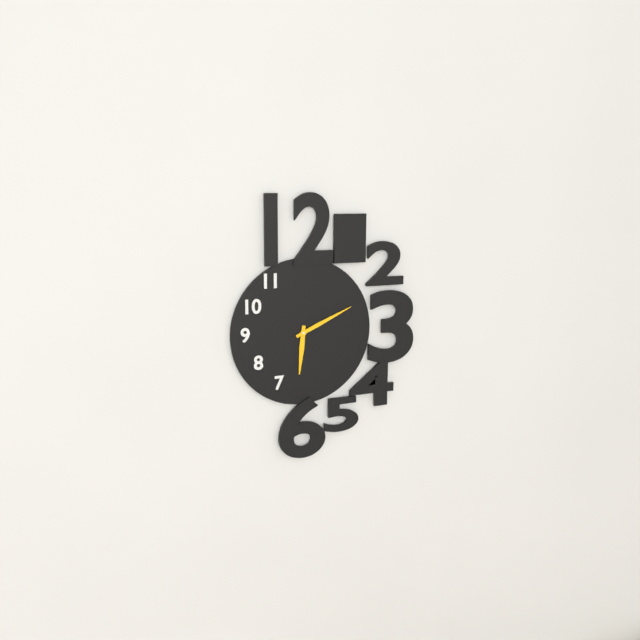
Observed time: 6:11
